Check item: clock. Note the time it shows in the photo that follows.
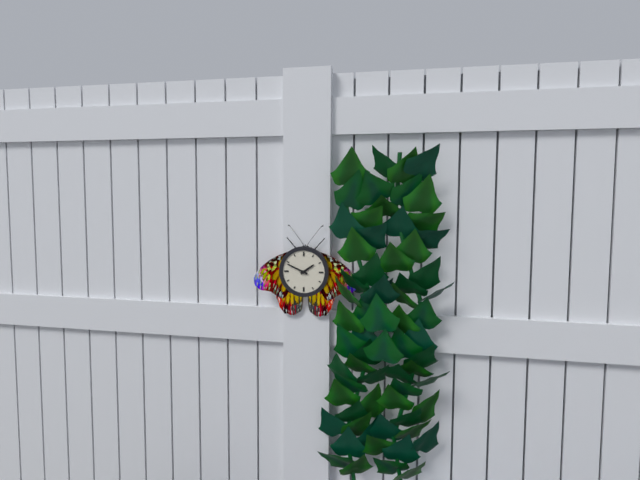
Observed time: 1:49
